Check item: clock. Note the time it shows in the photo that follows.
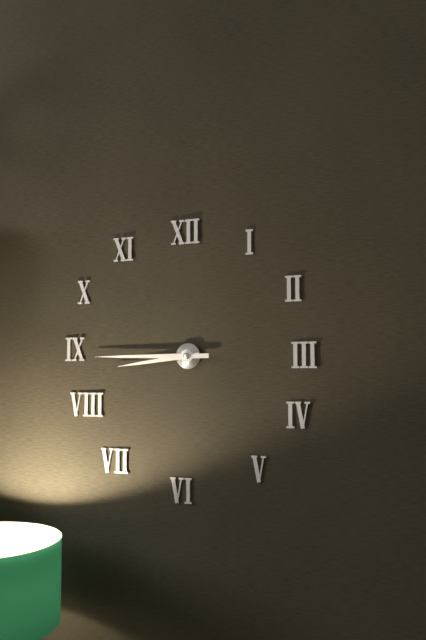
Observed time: 8:45
